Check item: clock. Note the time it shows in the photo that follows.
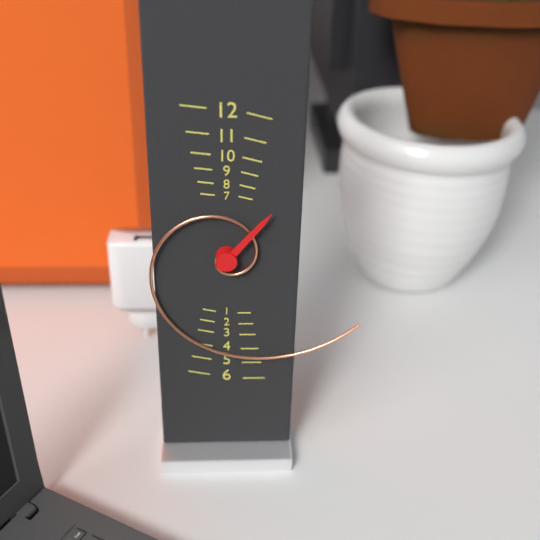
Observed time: 1:20
